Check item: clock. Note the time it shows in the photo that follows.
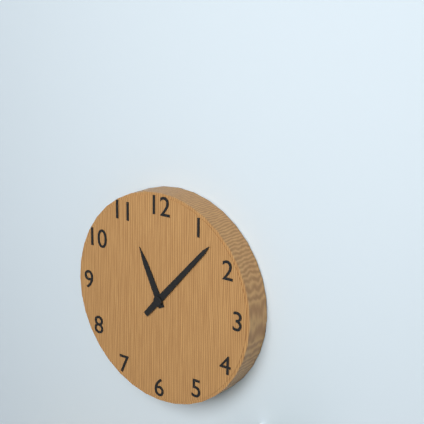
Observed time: 11:07
